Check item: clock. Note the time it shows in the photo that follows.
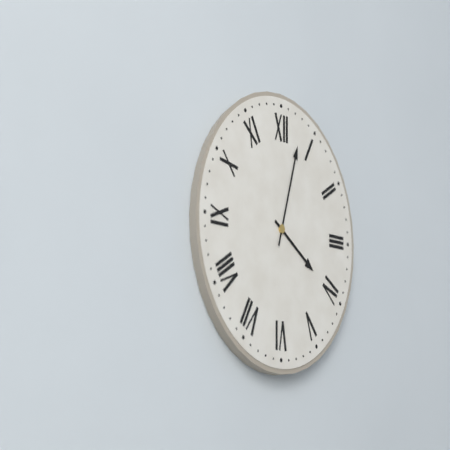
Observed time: 4:03
